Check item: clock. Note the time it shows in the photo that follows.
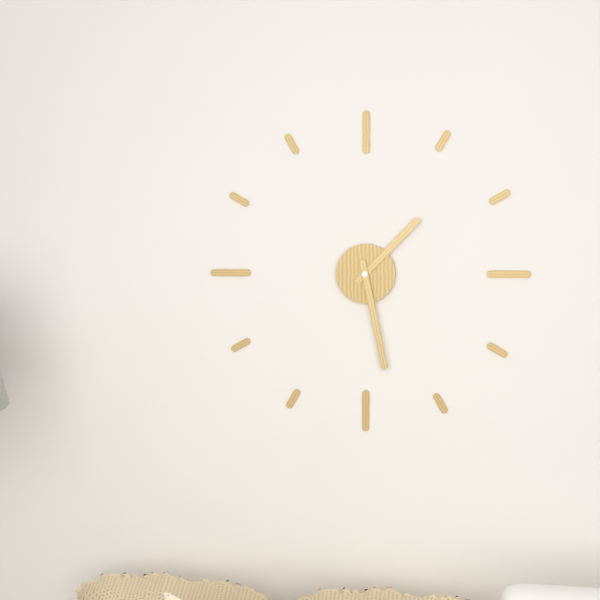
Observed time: 1:28
